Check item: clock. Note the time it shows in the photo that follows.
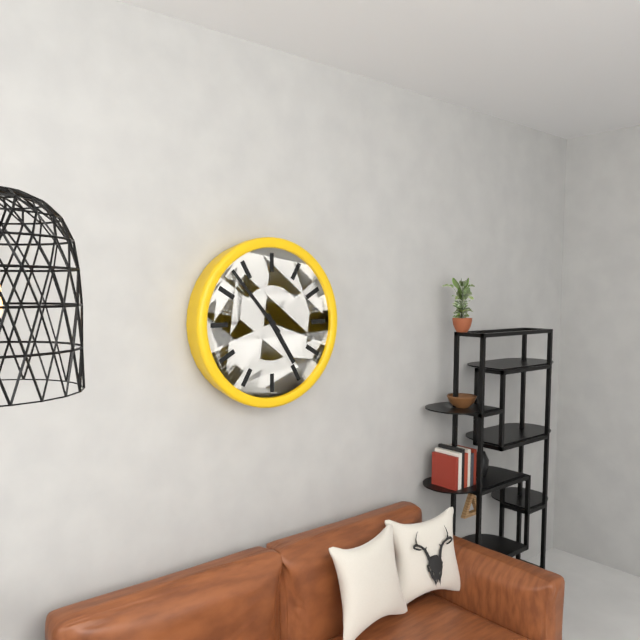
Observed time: 4:53
